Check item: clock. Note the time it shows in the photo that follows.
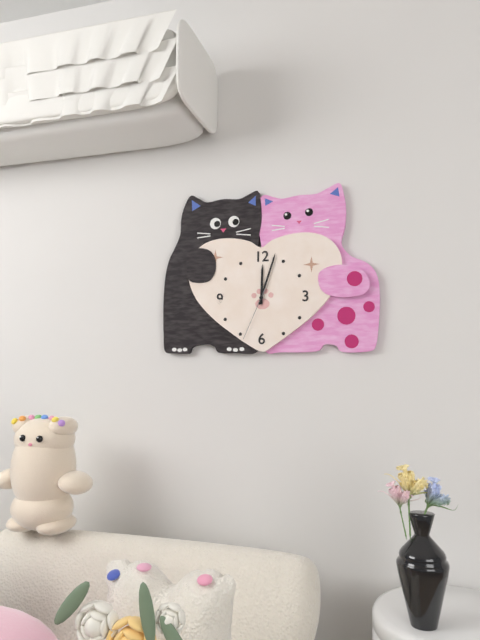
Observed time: 12:03:34
